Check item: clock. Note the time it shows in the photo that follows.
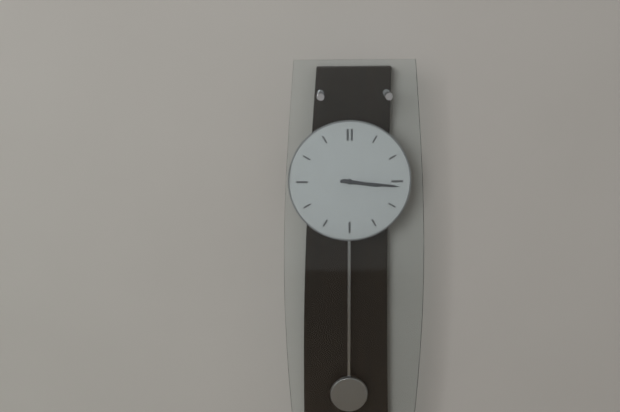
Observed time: 3:16
